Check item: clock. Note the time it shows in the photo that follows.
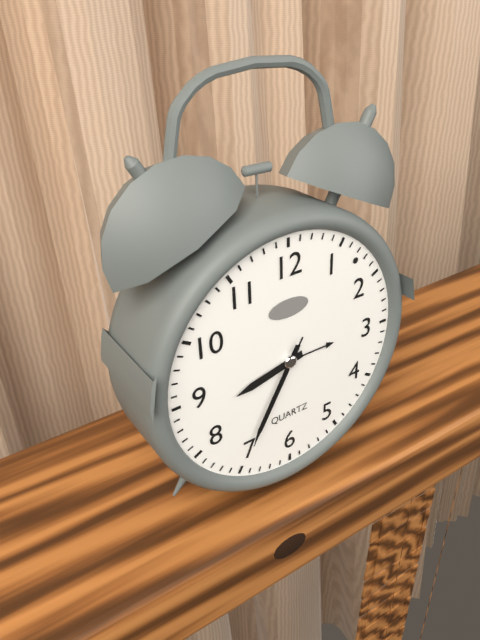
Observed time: 8:35:35
